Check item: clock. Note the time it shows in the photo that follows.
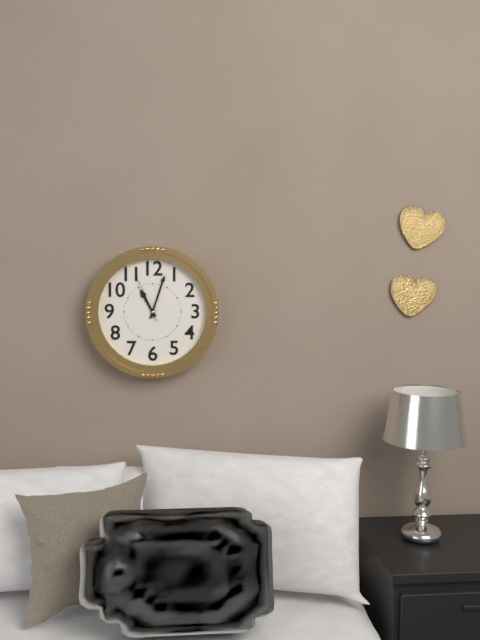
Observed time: 11:03:56
